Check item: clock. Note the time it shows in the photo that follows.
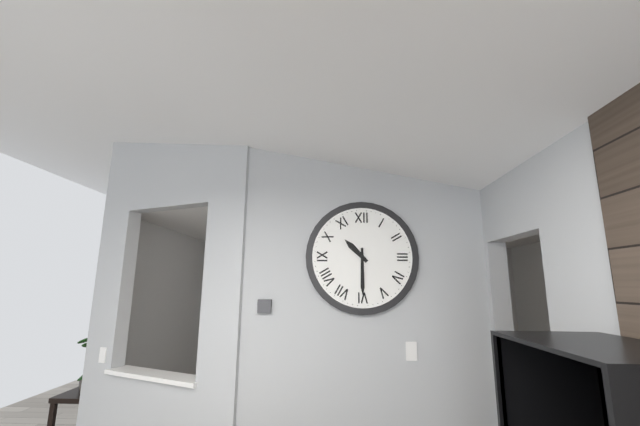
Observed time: 10:30
